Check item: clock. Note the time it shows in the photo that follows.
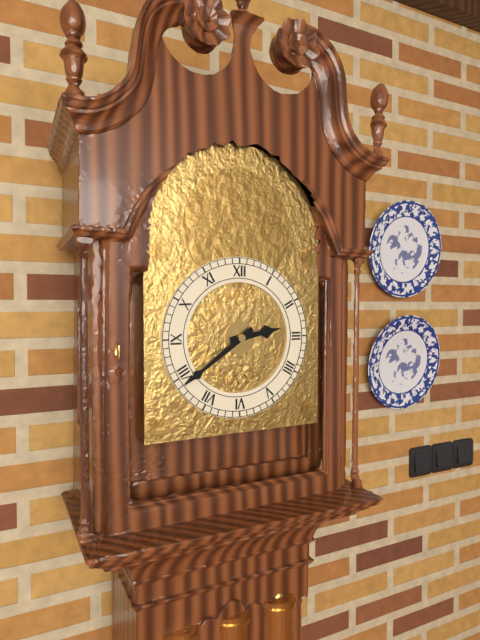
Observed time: 2:39
